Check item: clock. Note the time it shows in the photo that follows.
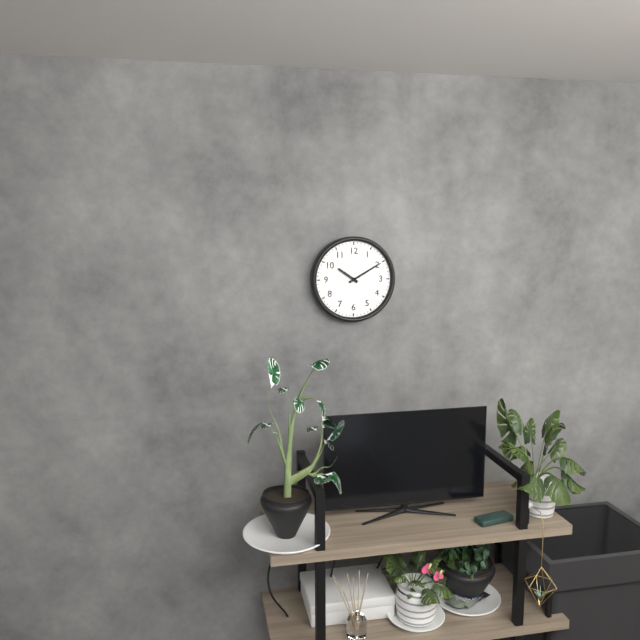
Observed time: 10:10
